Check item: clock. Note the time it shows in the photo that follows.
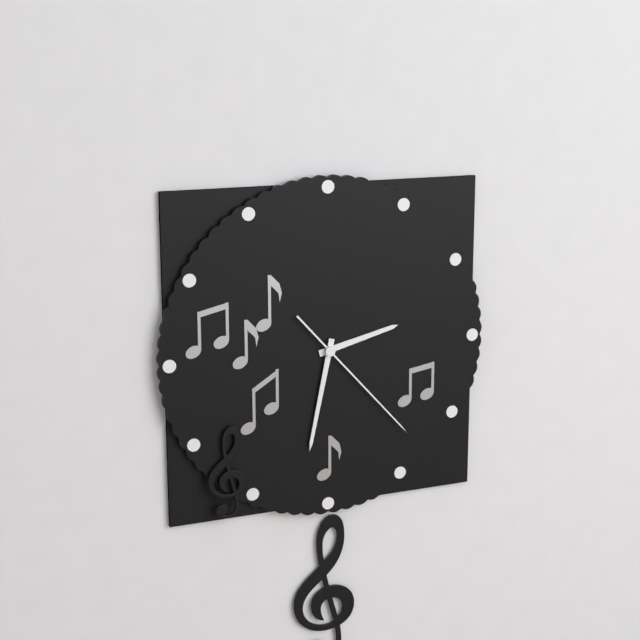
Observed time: 2:32:23
